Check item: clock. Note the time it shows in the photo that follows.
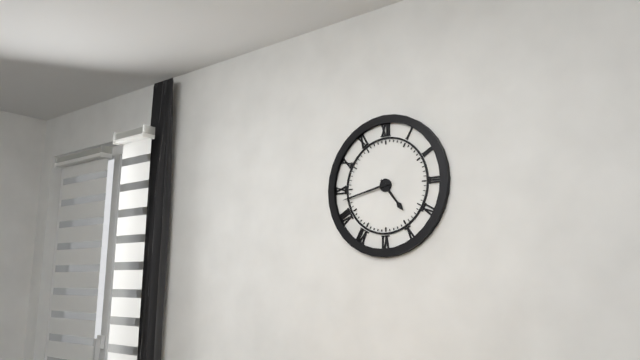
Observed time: 4:43
